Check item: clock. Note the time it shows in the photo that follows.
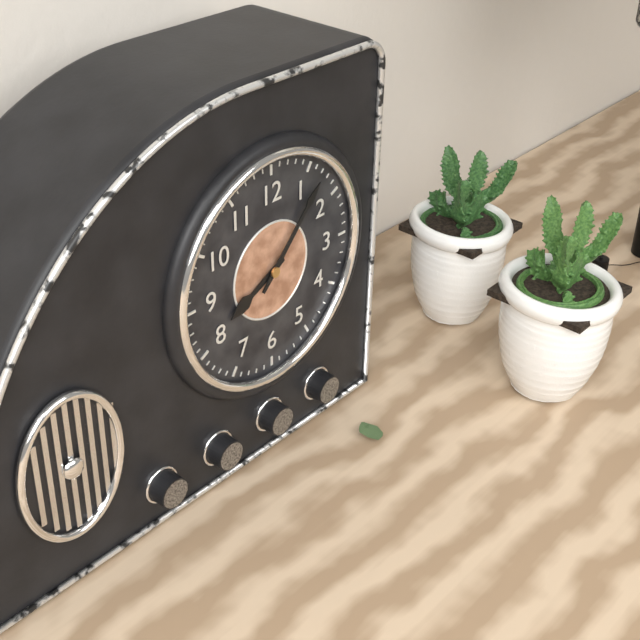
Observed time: 8:07
